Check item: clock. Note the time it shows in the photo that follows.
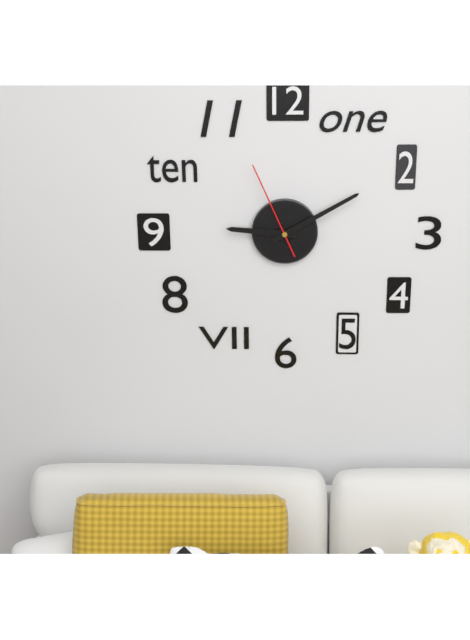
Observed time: 9:10:56
